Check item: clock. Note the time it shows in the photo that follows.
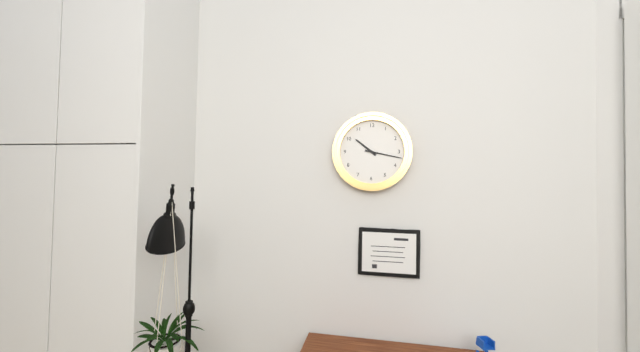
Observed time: 10:17
